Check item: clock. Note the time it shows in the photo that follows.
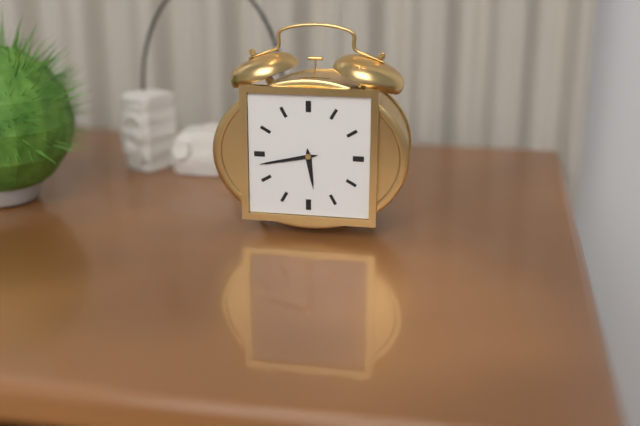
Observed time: 5:43
